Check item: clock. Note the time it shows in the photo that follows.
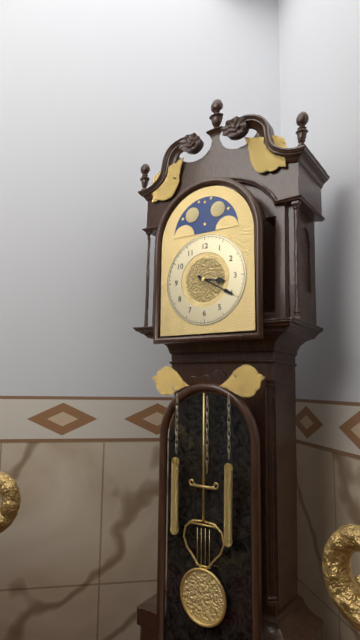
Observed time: 3:20
